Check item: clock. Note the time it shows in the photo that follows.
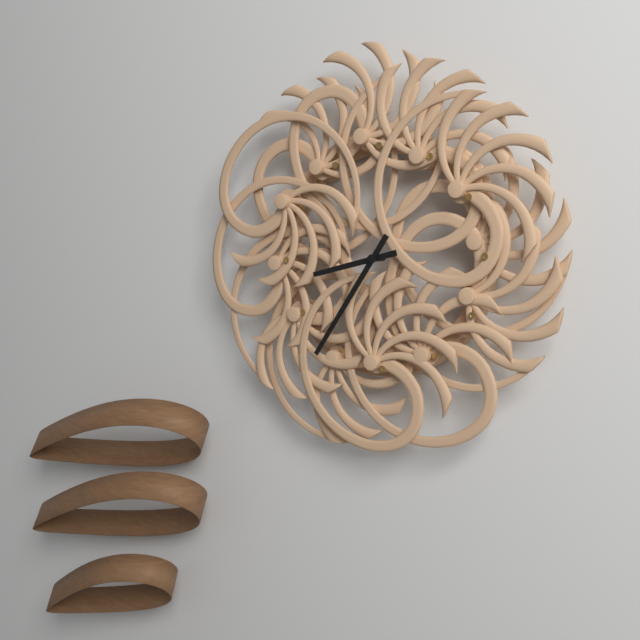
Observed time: 8:36
